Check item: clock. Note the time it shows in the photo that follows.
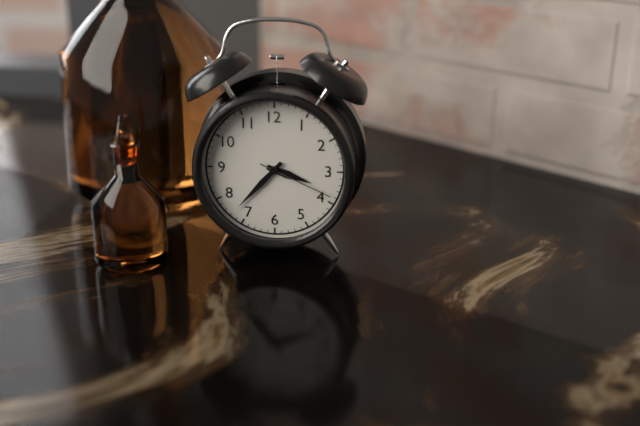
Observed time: 3:37:19
